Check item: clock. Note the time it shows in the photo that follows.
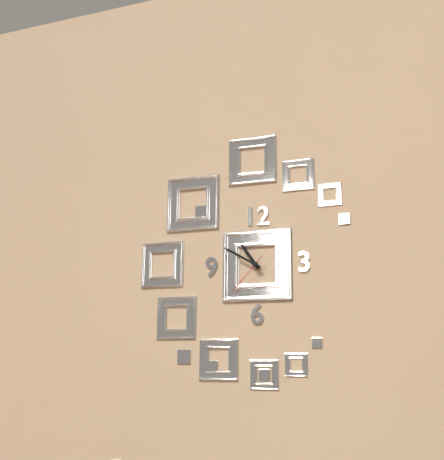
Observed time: 10:50
